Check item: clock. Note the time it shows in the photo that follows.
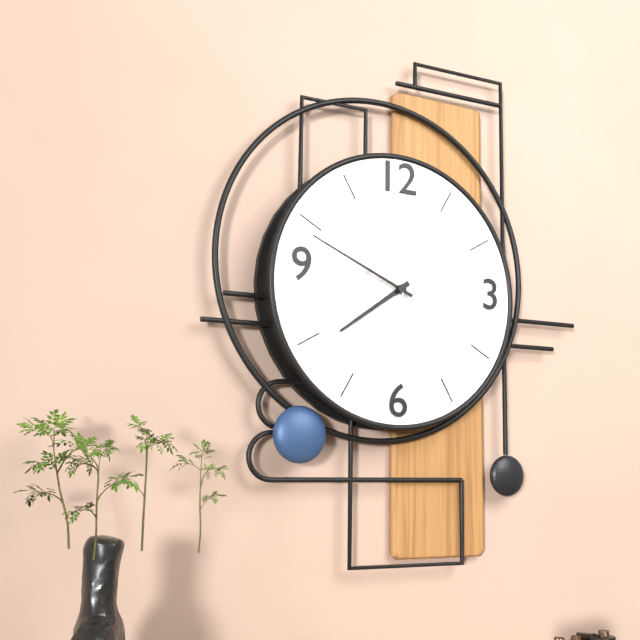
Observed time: 7:49:57
